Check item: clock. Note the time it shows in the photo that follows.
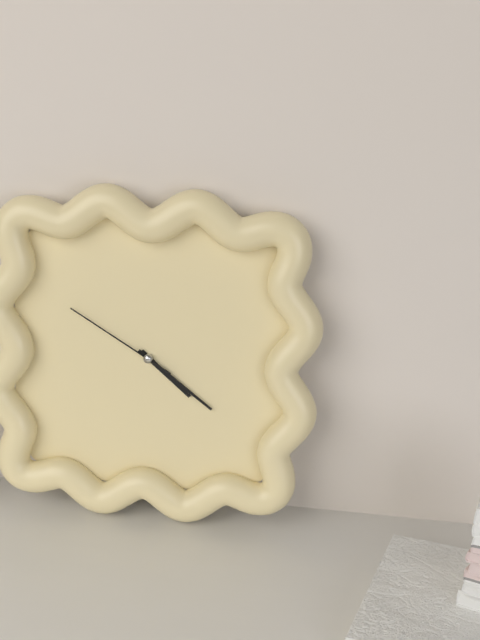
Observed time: 4:21:50
